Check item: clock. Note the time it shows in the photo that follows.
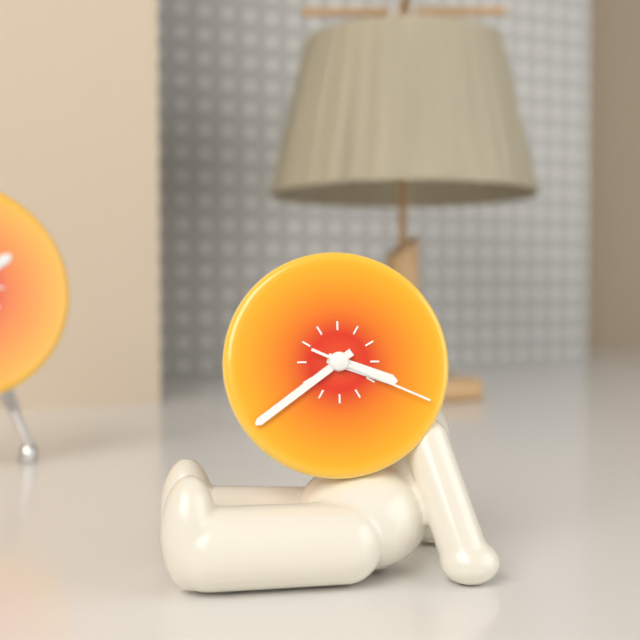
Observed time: 3:39:19
